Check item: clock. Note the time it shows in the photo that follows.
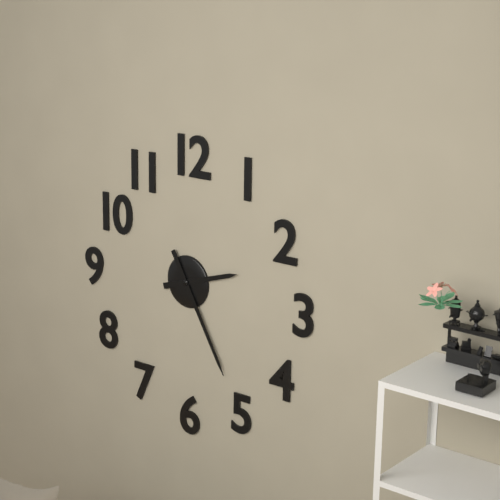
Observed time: 2:25
